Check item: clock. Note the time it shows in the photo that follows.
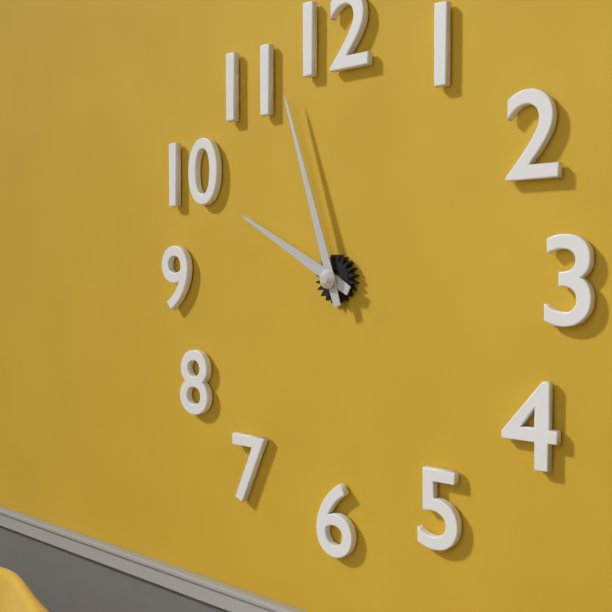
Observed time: 9:57
